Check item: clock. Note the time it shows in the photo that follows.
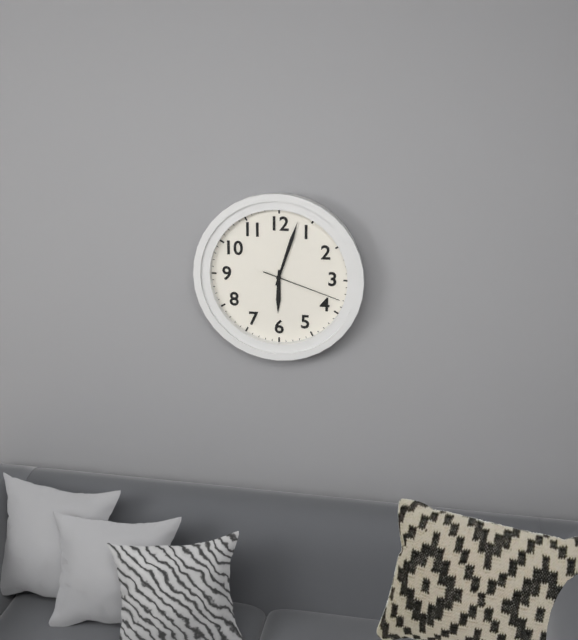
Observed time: 6:03:18
